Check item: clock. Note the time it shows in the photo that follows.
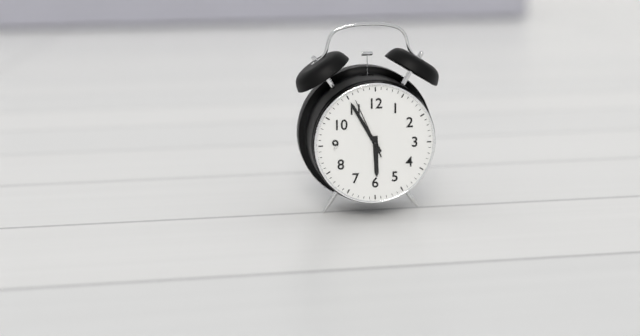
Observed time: 5:55:56
